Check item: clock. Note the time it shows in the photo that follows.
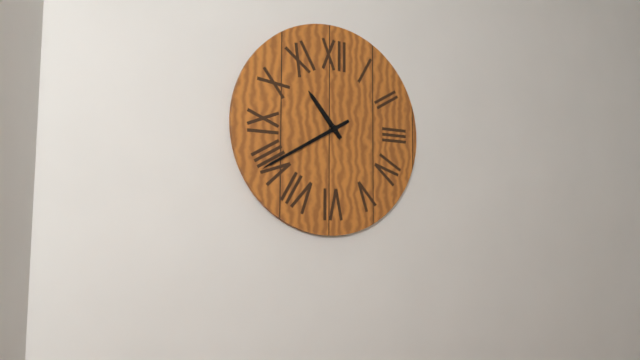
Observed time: 10:40
